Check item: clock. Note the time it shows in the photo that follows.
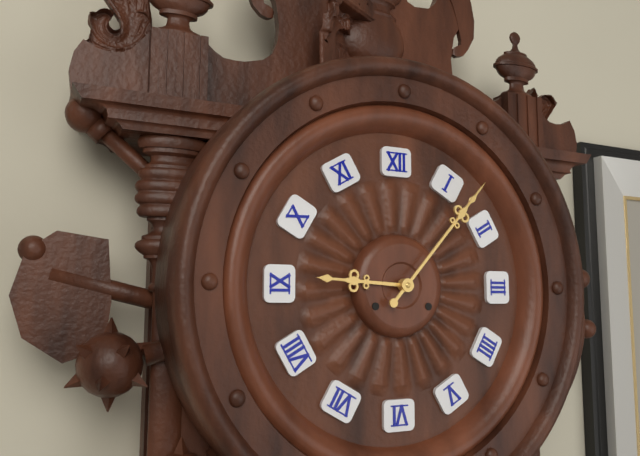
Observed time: 9:07
